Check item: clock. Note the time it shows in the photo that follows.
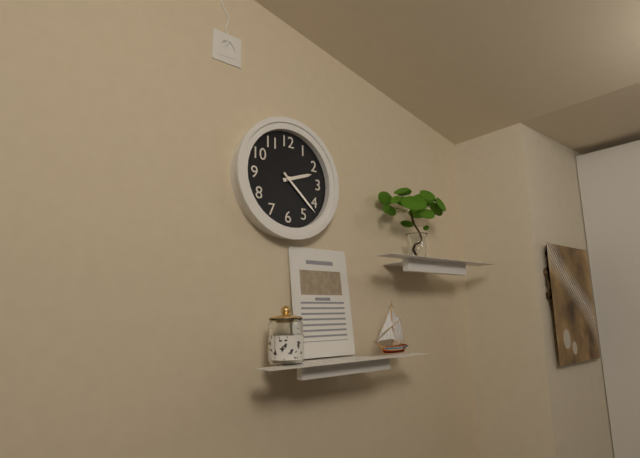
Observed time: 2:22
